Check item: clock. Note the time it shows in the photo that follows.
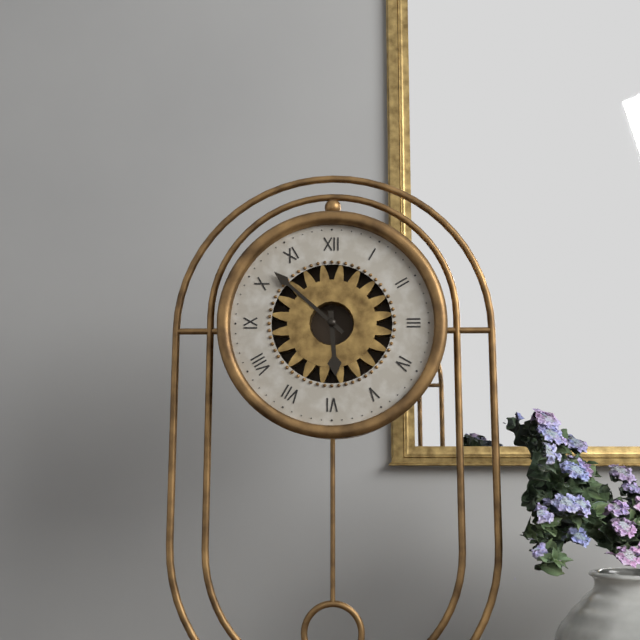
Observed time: 5:52
